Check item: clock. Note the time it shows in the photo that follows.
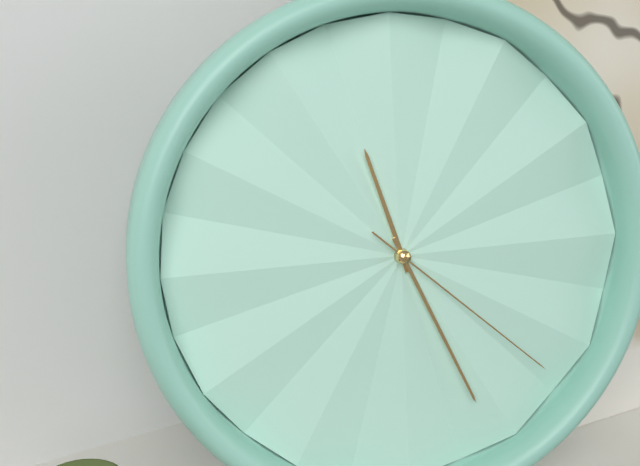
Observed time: 11:26:22
